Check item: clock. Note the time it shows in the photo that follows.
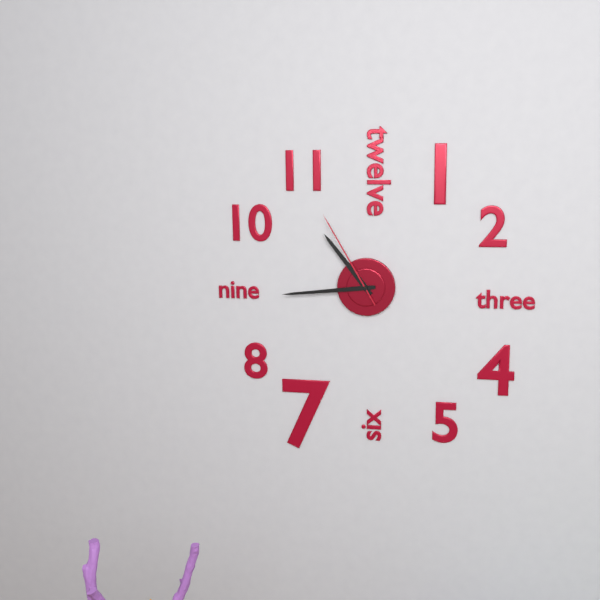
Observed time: 10:44:55
